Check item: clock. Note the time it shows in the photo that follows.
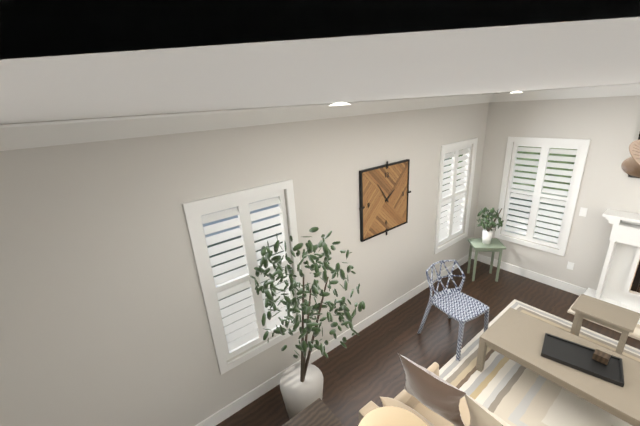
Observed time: 1:54
